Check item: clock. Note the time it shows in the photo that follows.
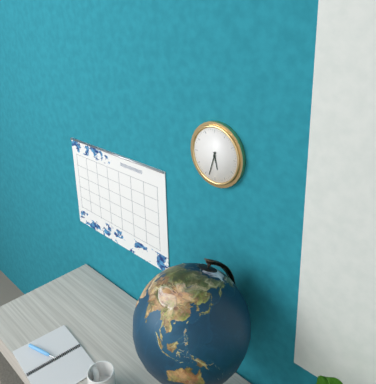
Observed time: 5:33
